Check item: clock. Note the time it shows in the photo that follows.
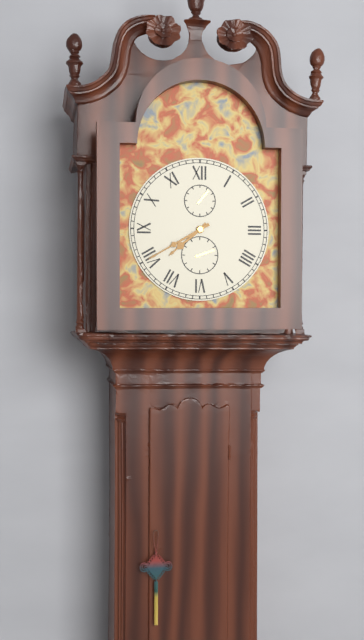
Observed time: 7:40
